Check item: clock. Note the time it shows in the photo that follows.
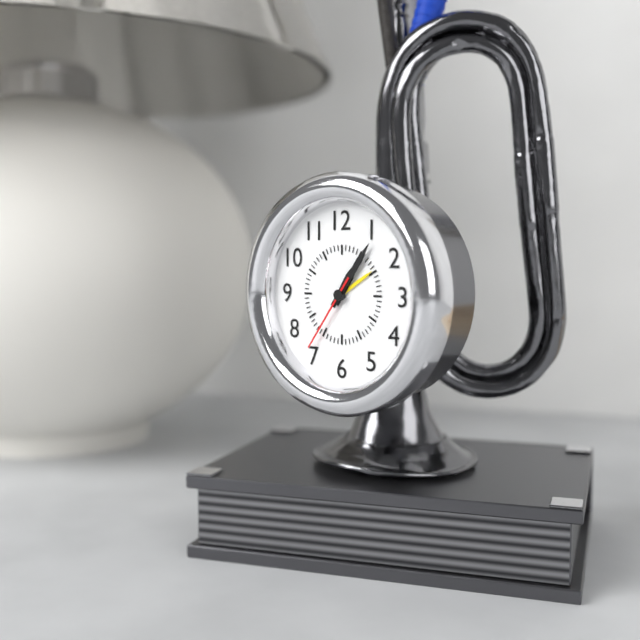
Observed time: 1:06:36
